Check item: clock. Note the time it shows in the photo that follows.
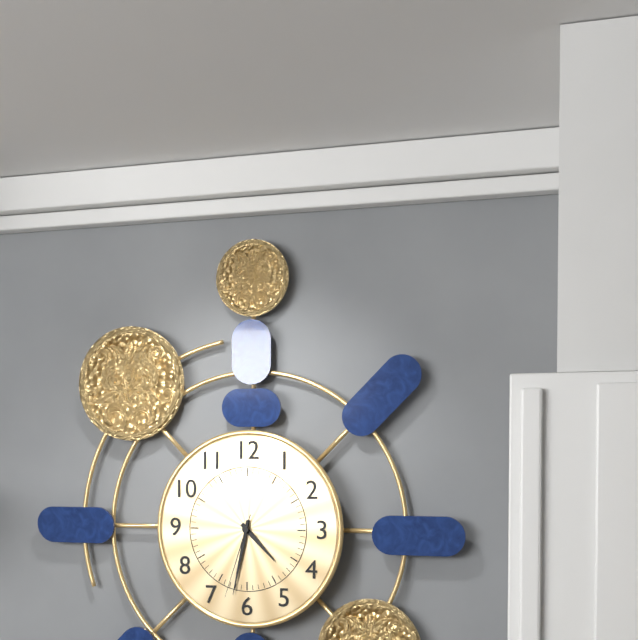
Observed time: 4:32:33
